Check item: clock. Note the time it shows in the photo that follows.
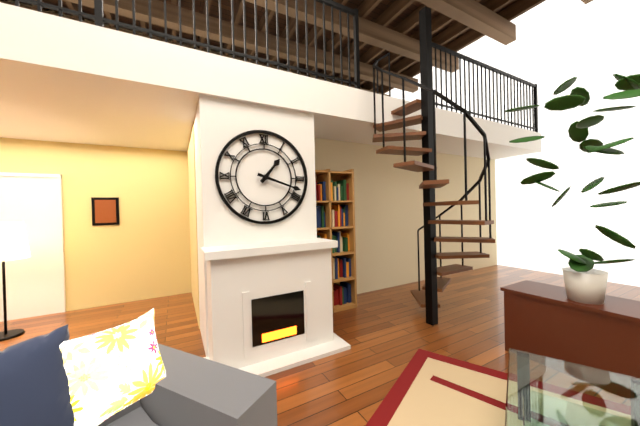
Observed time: 1:18
